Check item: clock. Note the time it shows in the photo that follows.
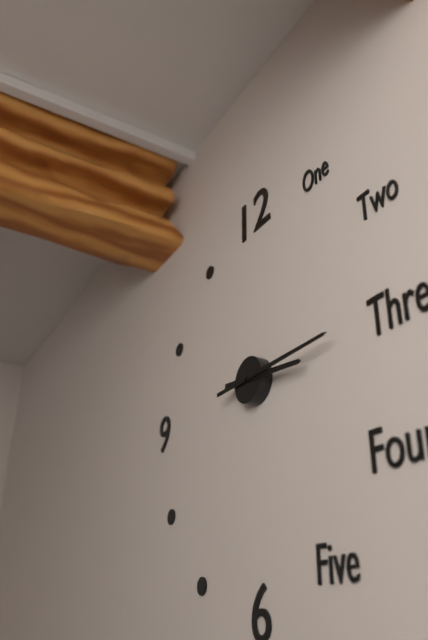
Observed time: 3:15
